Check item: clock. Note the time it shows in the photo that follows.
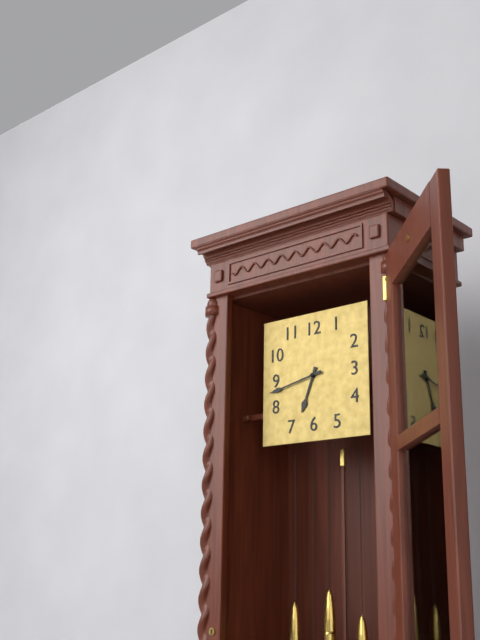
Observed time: 6:43
